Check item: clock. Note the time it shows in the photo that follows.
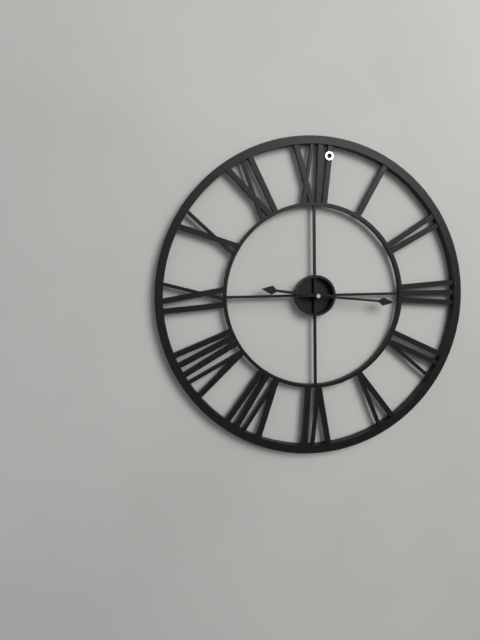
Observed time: 9:16:45
